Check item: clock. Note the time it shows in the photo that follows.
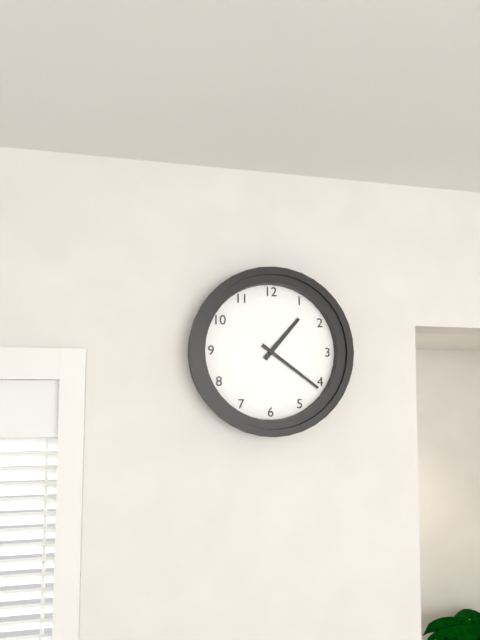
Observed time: 1:21
